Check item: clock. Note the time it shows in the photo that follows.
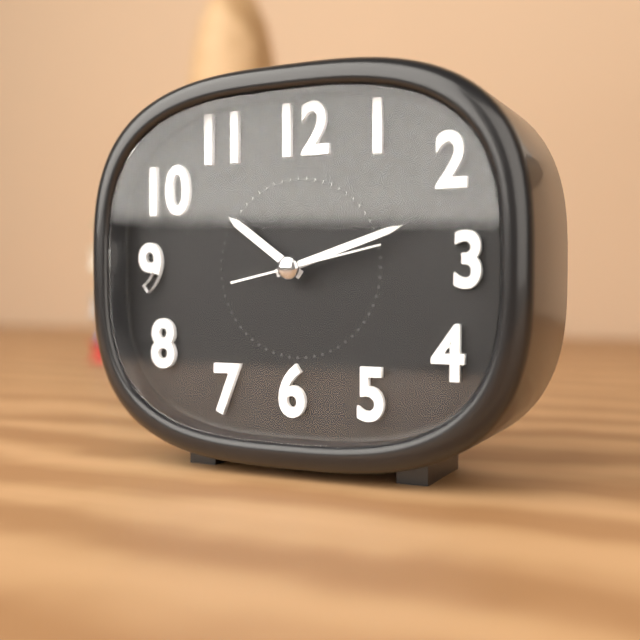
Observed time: 10:12:13
